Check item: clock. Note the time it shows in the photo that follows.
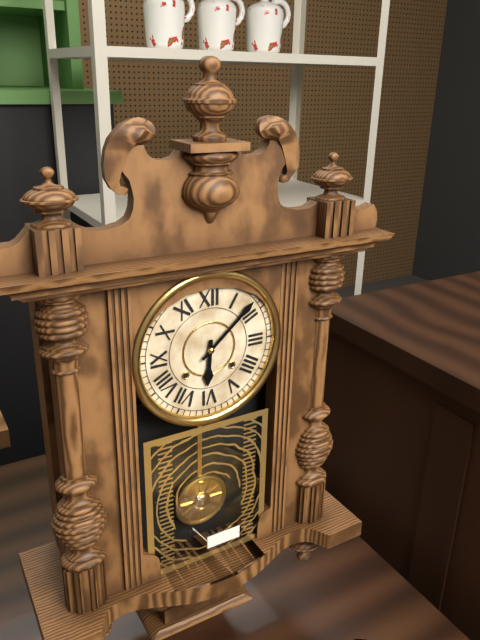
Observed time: 6:08
